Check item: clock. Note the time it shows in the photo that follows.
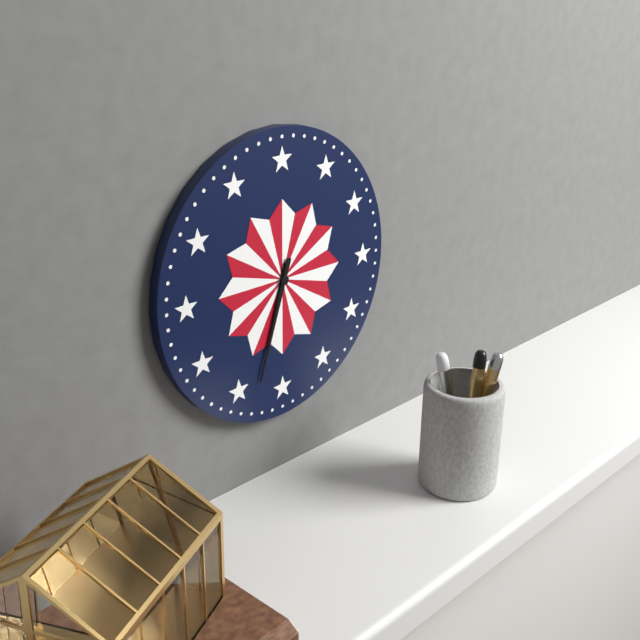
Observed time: 6:33
